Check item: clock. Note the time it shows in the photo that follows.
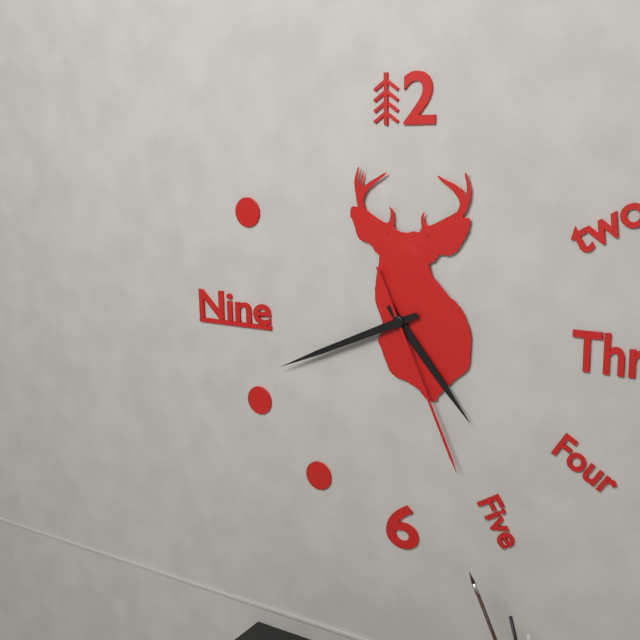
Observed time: 4:41:26
